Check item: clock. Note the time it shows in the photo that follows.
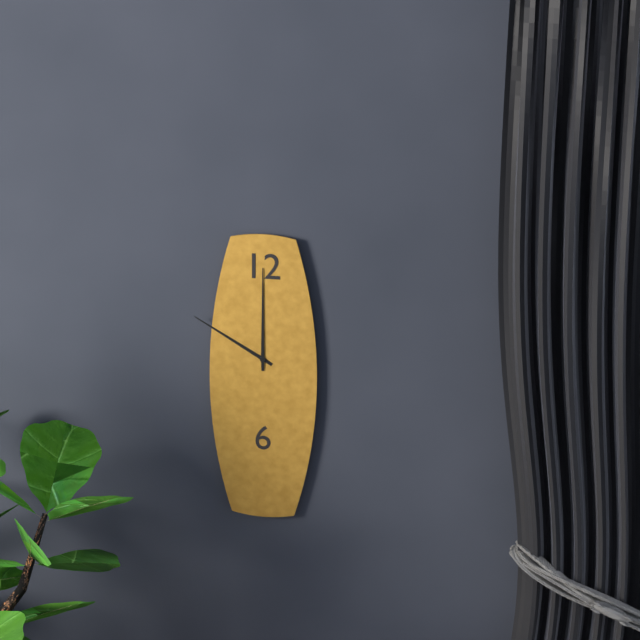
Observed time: 10:00
